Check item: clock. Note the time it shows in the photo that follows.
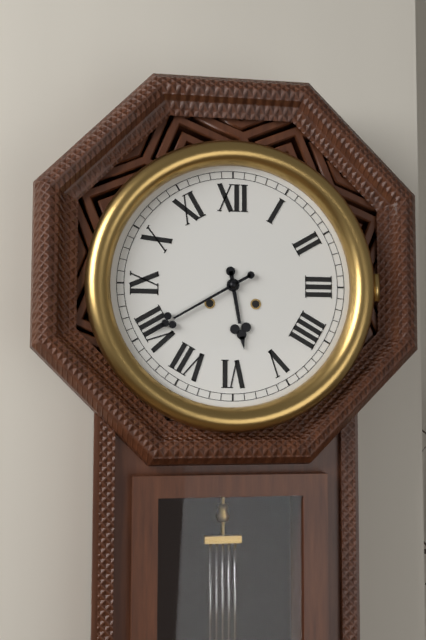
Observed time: 5:40
